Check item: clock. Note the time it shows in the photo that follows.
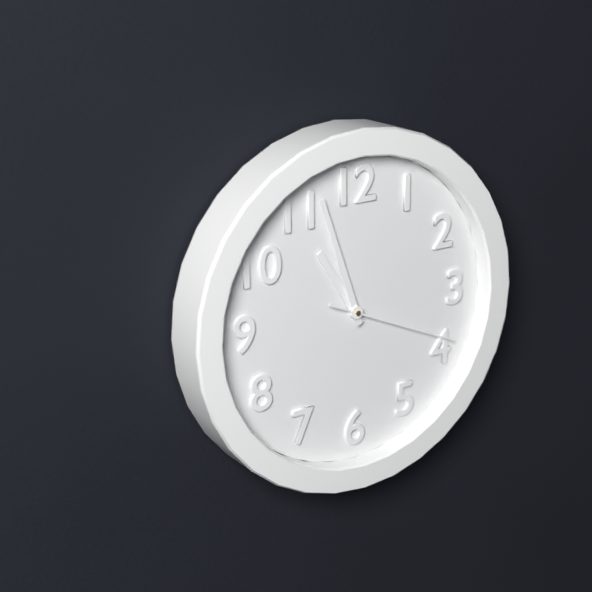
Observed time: 10:57:19
